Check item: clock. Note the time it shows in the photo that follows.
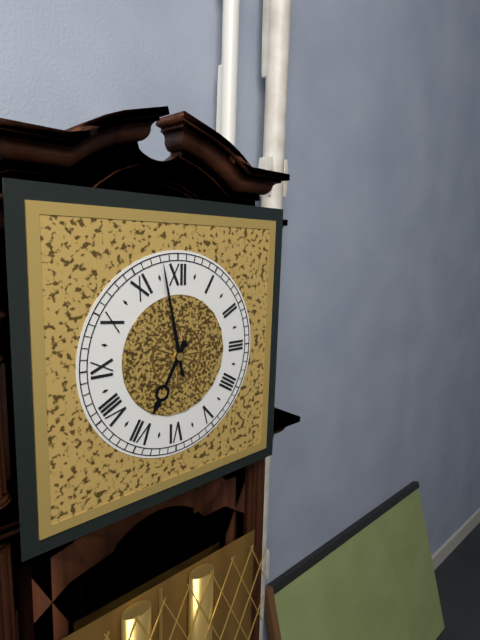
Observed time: 6:58
